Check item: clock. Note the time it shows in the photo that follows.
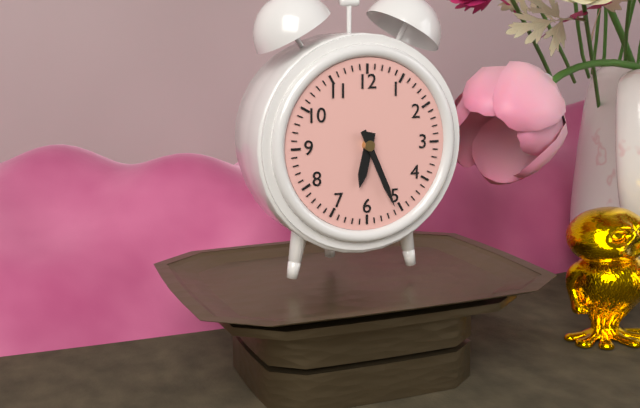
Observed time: 6:26
